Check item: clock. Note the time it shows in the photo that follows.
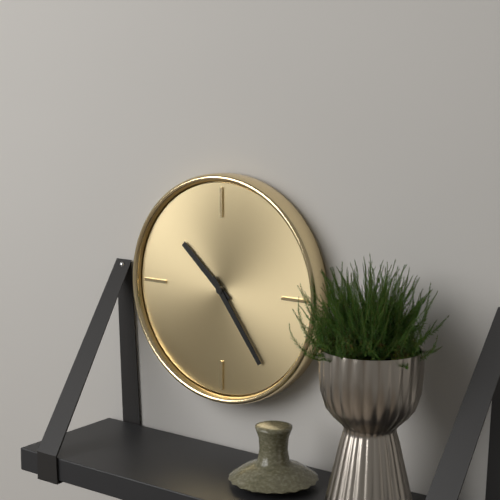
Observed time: 10:24
